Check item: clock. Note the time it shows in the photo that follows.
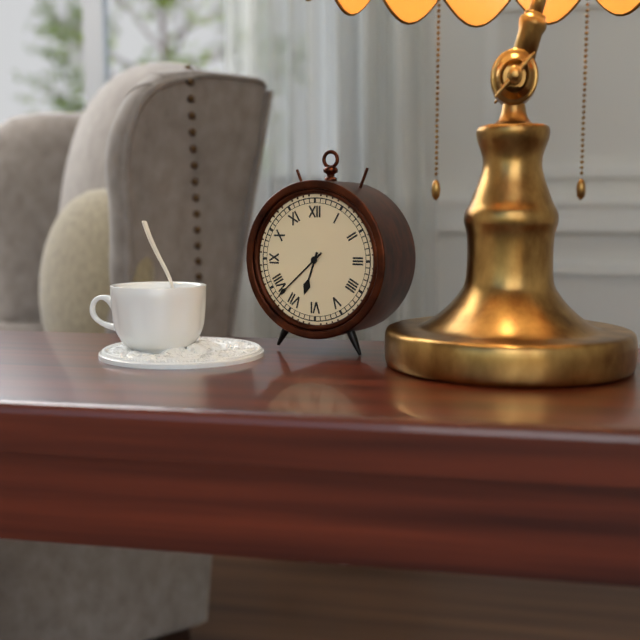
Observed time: 6:38
